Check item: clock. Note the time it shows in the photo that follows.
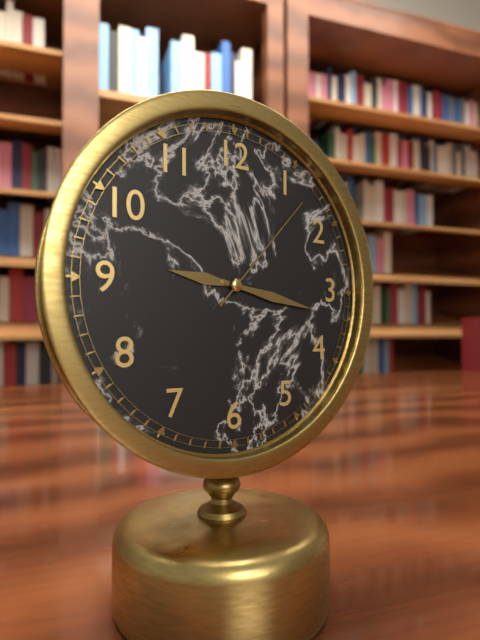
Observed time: 9:17:07
